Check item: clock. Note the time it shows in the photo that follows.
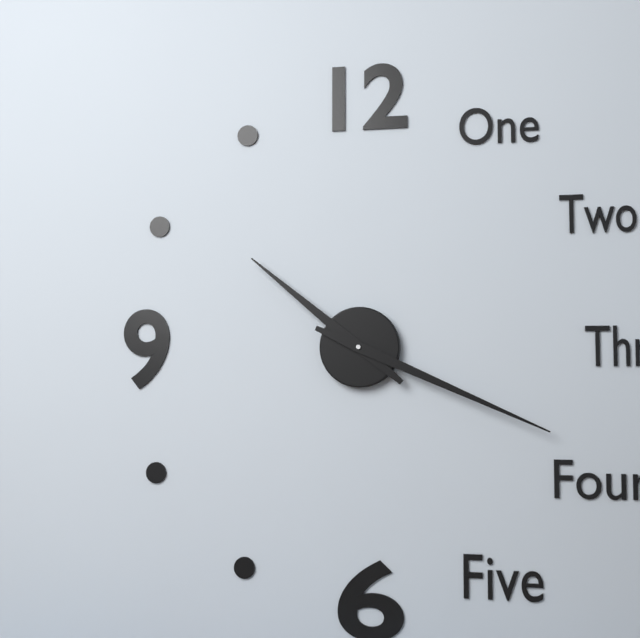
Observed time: 10:19
